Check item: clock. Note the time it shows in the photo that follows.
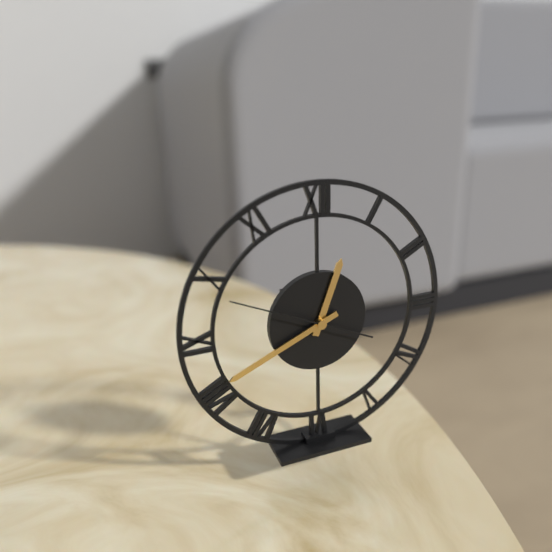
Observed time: 12:41:49
